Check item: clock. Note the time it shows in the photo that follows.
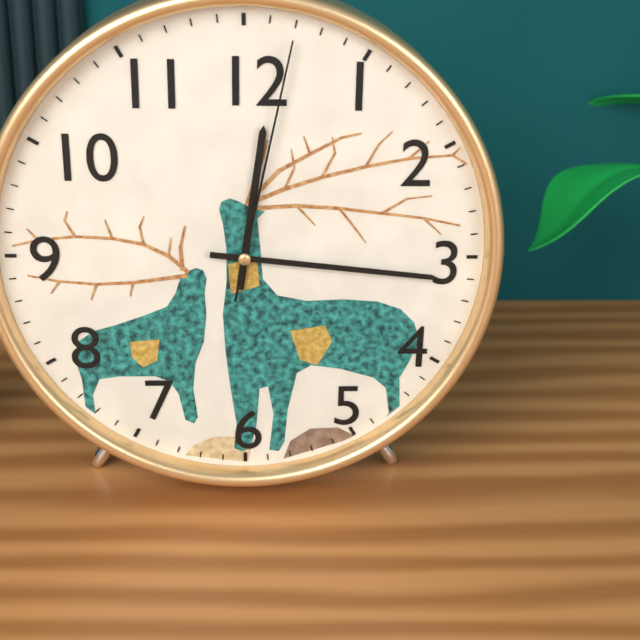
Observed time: 12:16:02
